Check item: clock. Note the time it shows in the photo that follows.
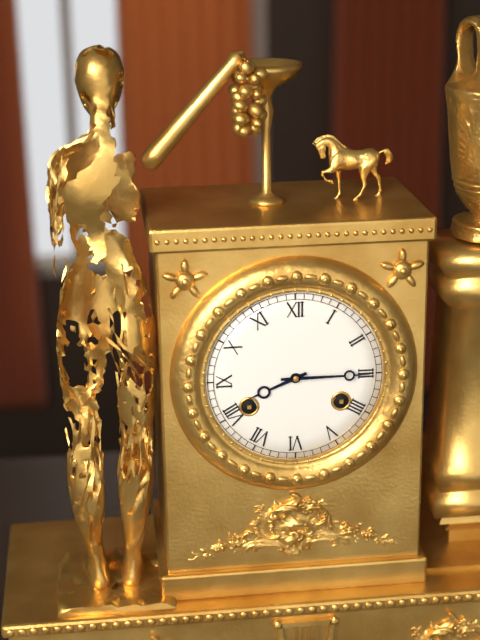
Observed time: 8:15
